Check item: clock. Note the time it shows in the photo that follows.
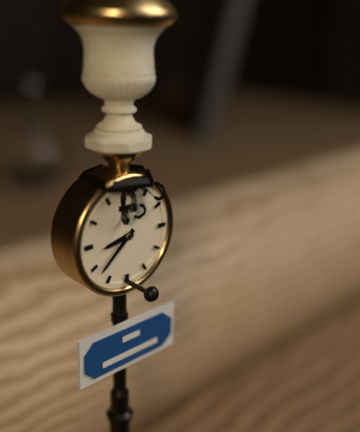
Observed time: 8:38
